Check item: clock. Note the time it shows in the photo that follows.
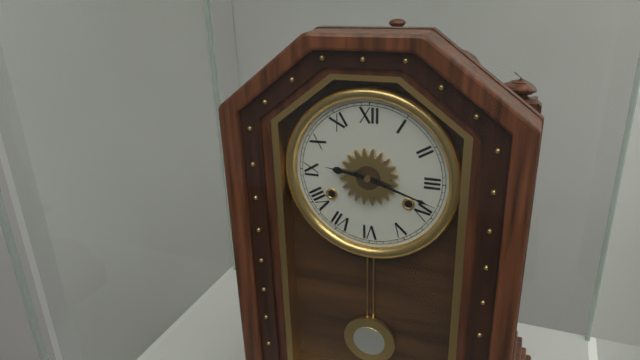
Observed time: 9:18
